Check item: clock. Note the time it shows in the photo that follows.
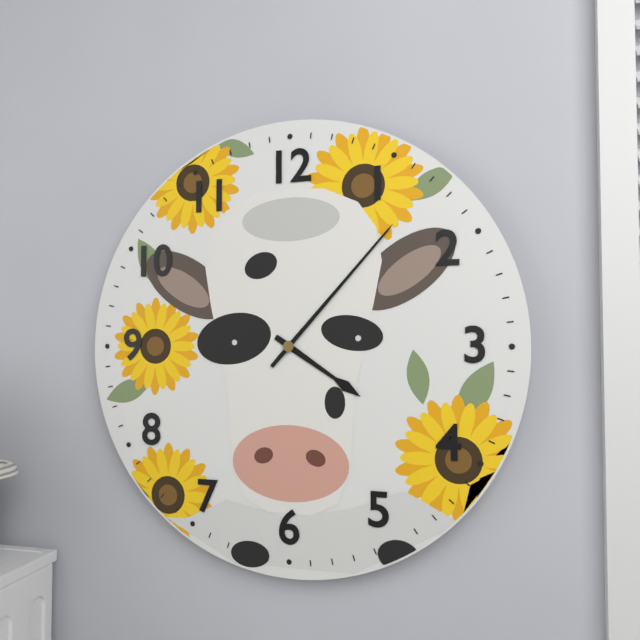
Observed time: 4:07
